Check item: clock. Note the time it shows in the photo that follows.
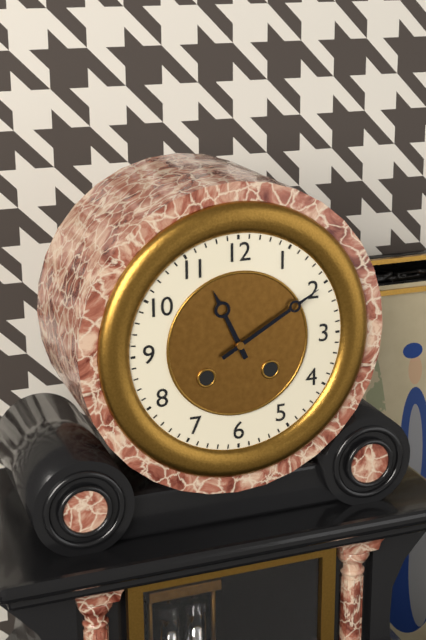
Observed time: 11:10
